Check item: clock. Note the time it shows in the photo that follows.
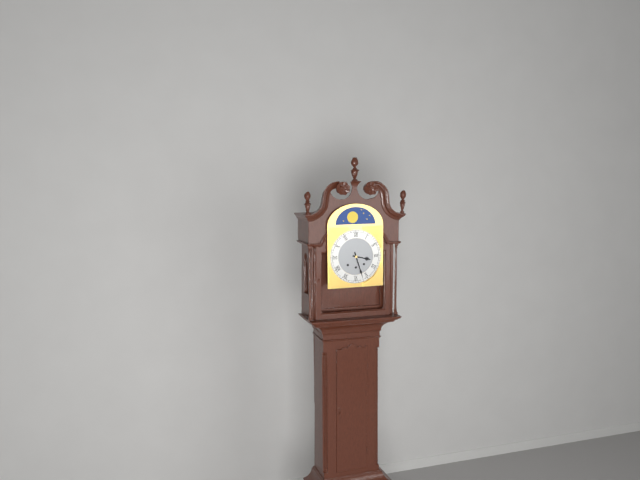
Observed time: 3:27
